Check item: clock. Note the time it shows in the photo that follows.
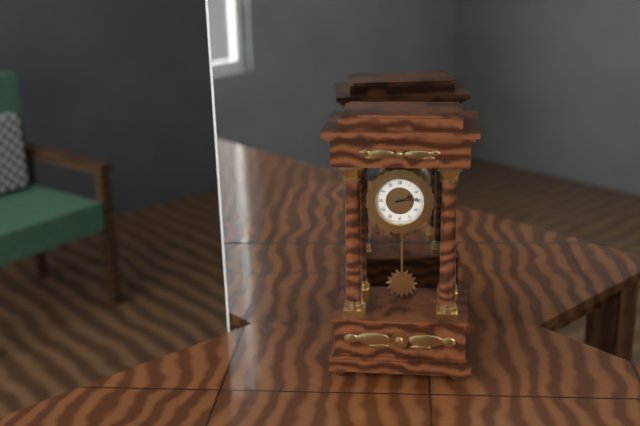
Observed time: 2:14
